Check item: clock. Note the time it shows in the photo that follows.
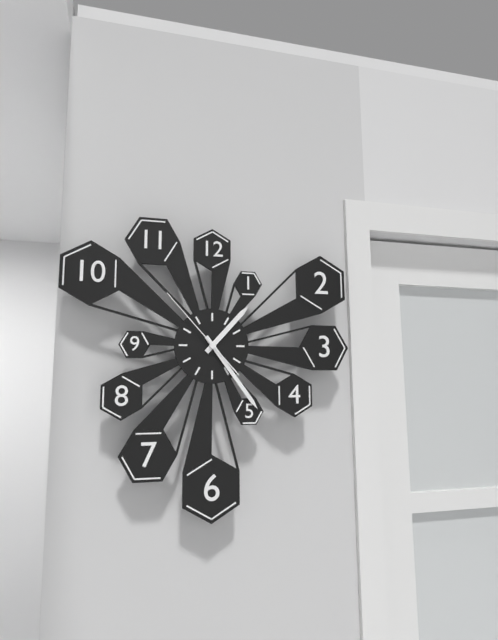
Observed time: 1:24:53
